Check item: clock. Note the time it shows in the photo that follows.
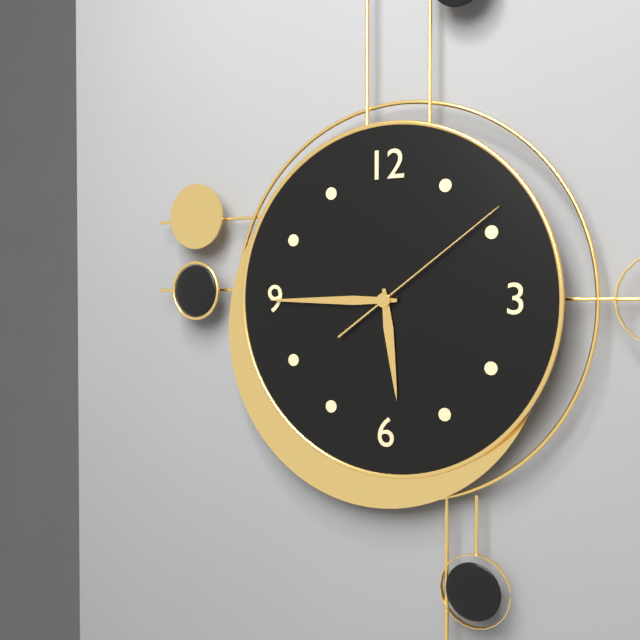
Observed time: 5:45:09
